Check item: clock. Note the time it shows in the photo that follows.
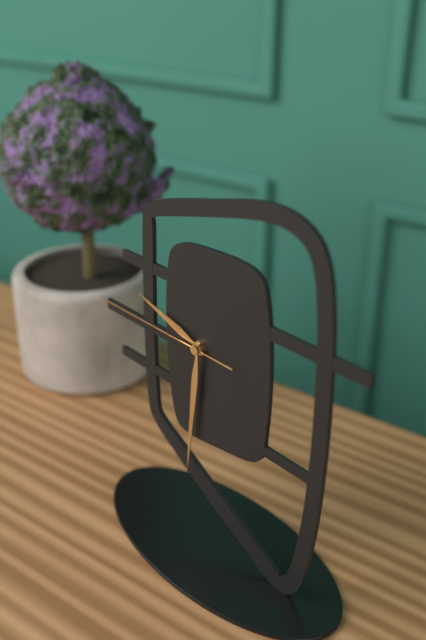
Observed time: 9:31:45
